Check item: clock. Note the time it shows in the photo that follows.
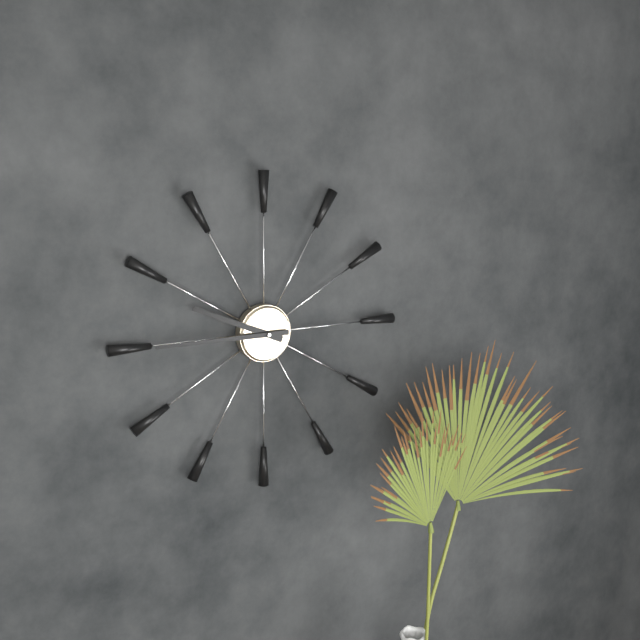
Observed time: 9:45
